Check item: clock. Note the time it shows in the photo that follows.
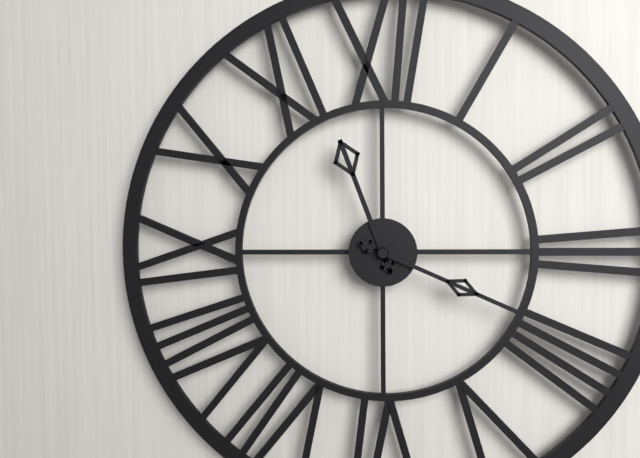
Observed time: 11:19
